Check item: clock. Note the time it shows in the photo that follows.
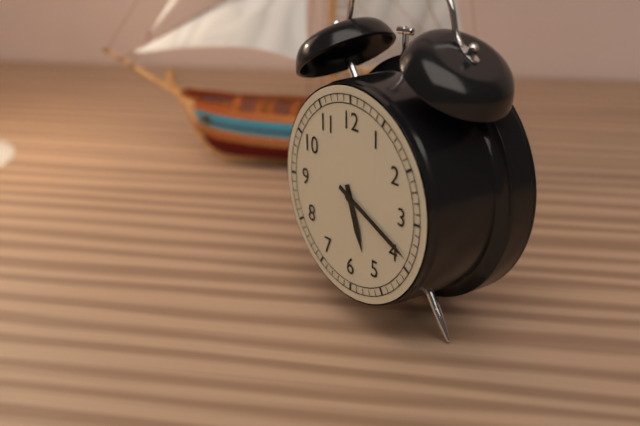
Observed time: 5:19
